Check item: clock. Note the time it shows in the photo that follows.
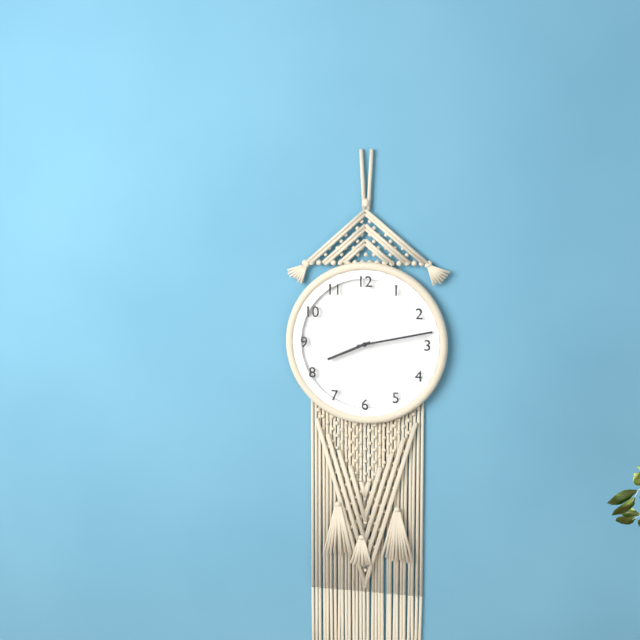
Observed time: 8:13
